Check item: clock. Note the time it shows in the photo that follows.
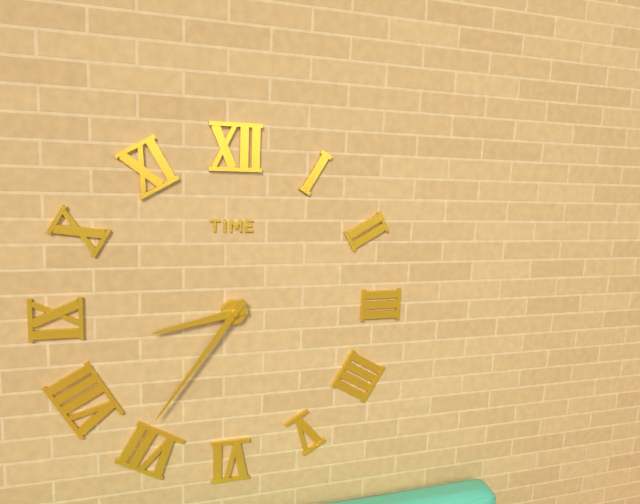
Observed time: 8:36
